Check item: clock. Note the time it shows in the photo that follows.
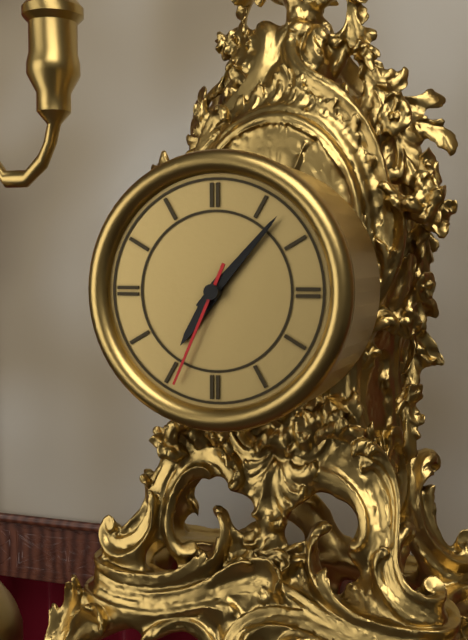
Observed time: 7:07:34
